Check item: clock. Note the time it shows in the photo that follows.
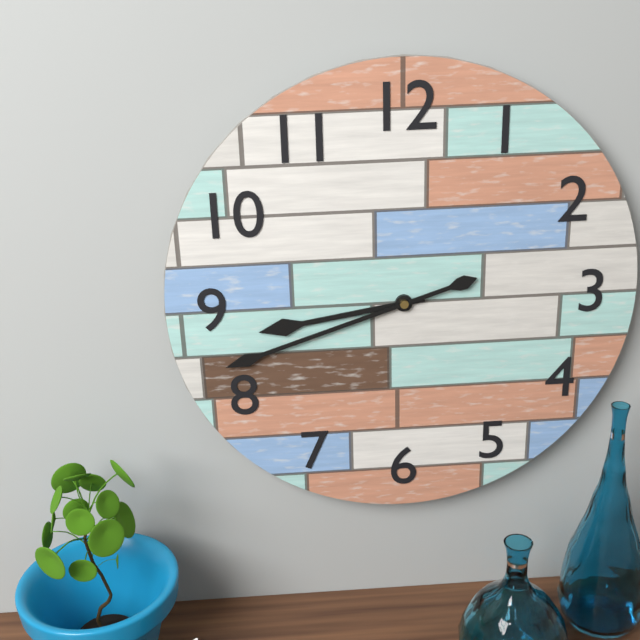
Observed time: 8:42
